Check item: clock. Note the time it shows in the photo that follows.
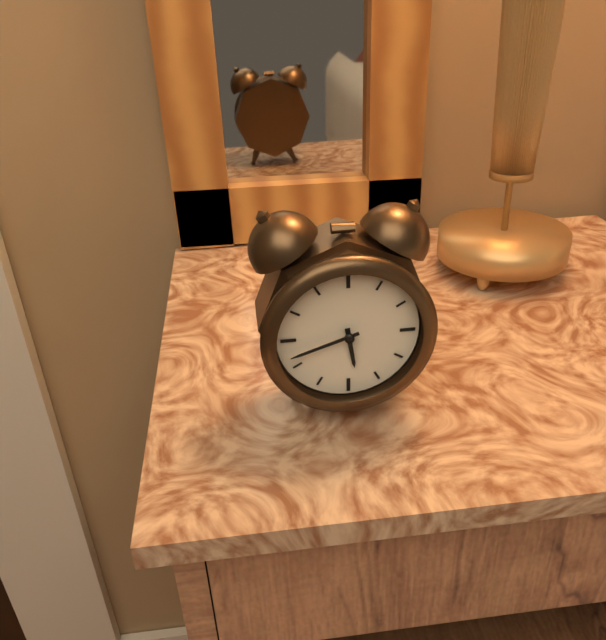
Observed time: 5:42
